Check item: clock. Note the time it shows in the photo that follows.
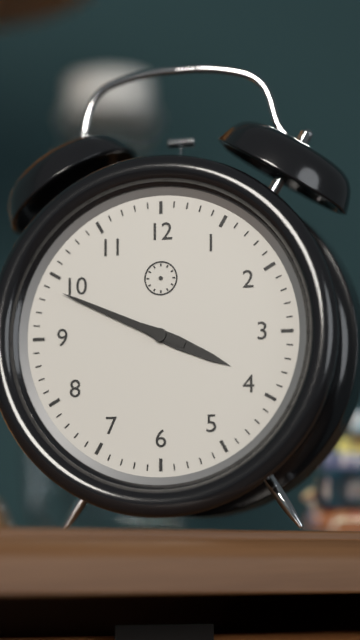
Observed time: 3:49
